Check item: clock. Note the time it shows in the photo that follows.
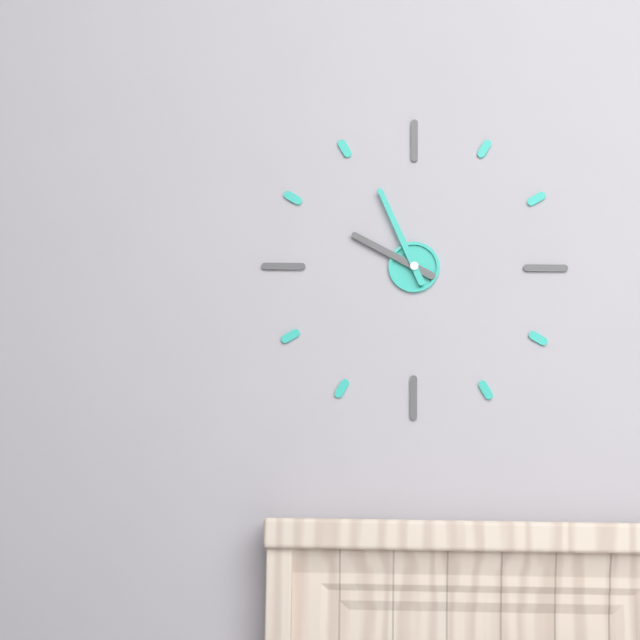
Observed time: 9:56
